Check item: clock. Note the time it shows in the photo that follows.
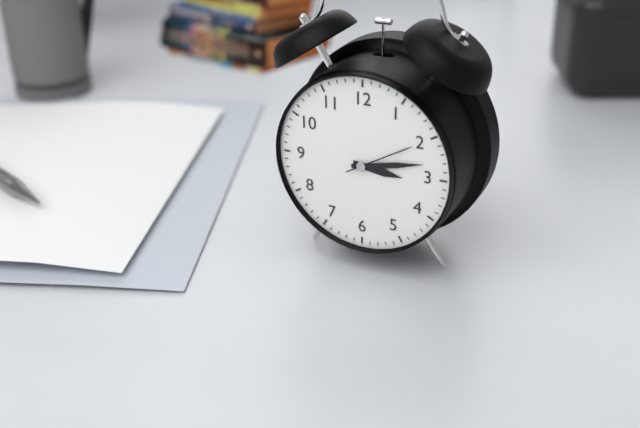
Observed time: 3:13:10
